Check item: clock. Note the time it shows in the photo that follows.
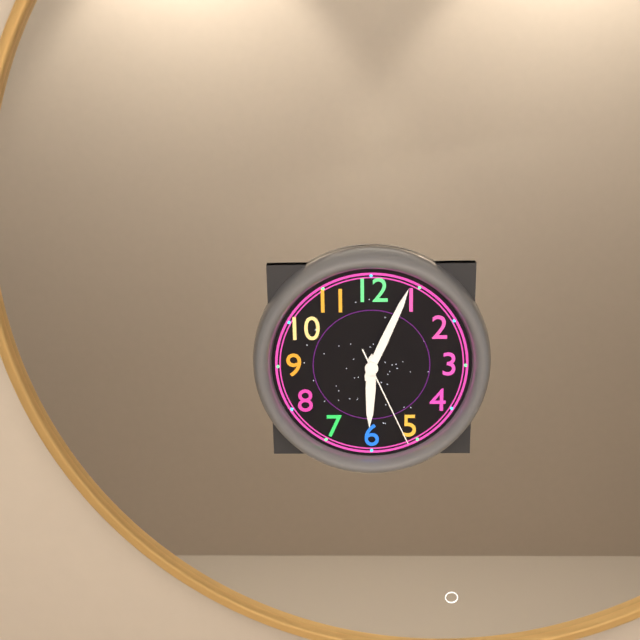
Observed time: 6:04:26
